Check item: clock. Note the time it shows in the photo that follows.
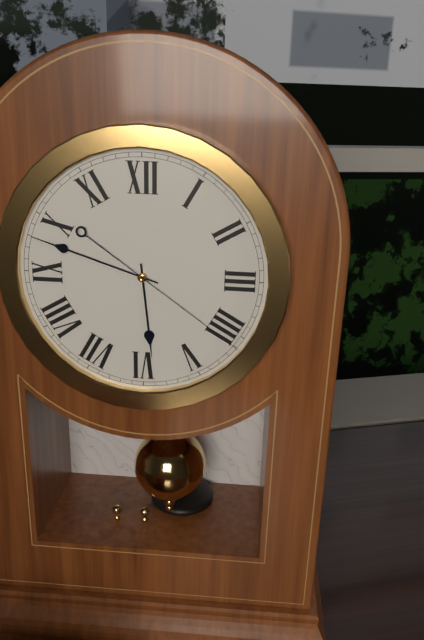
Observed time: 5:48:21
